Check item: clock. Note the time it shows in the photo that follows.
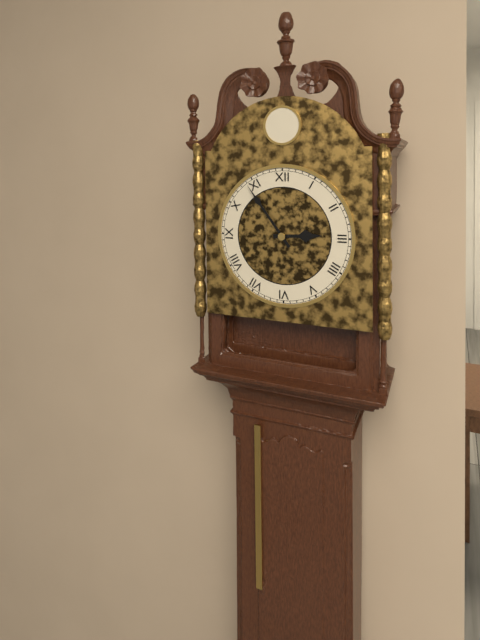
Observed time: 2:54
